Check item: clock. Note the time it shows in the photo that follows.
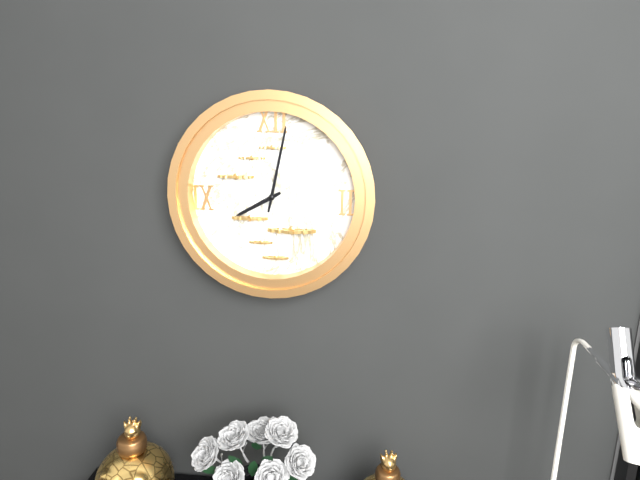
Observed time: 8:02
